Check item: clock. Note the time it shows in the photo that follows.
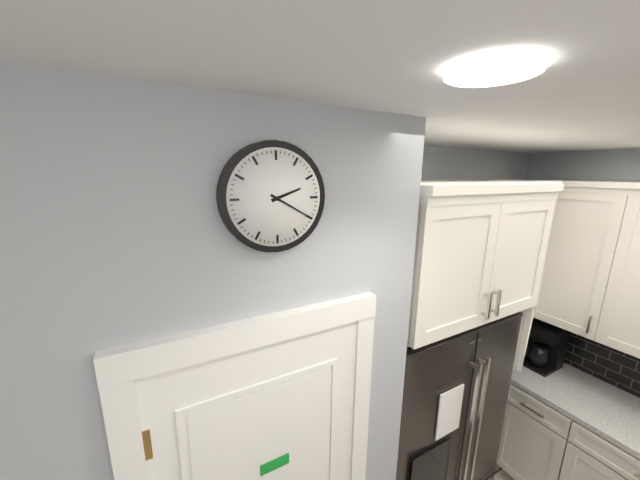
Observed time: 2:20
